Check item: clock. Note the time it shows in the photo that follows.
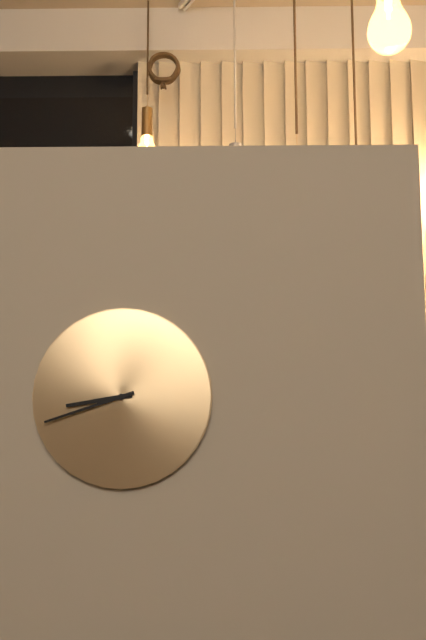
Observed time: 8:42
